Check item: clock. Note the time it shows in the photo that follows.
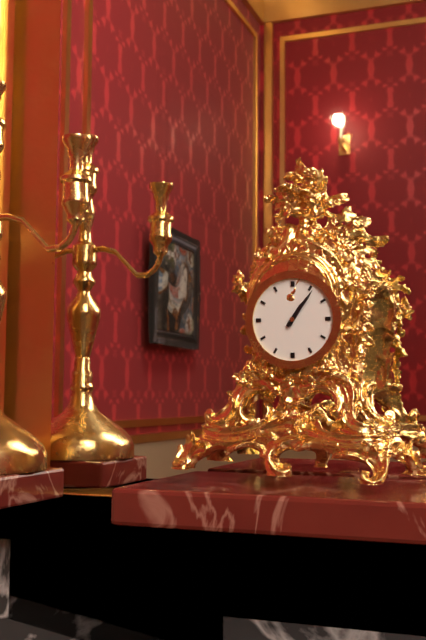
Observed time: 1:06
